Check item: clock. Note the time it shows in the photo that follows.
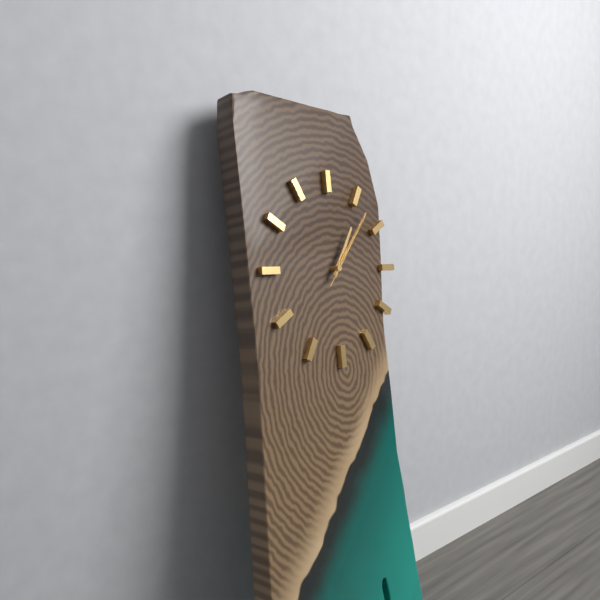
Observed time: 1:07:07
